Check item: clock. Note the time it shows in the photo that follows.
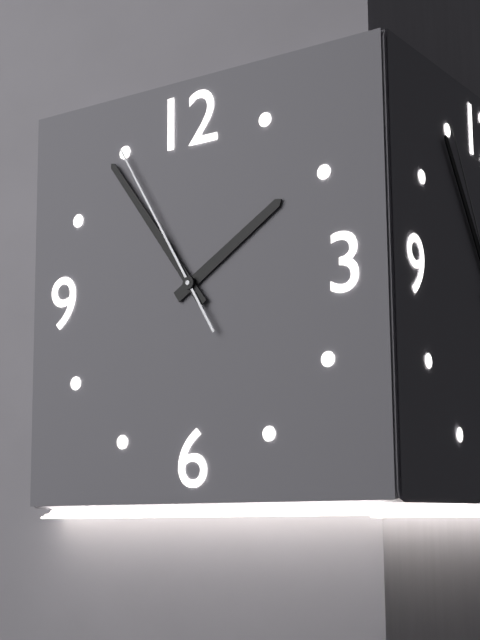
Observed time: 1:54:55
